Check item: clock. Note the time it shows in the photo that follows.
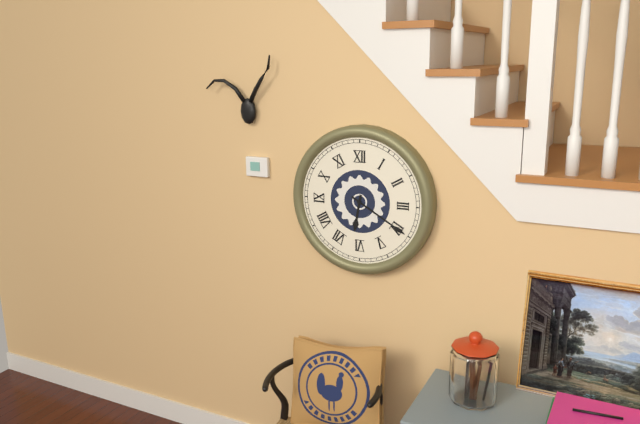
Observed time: 6:20
